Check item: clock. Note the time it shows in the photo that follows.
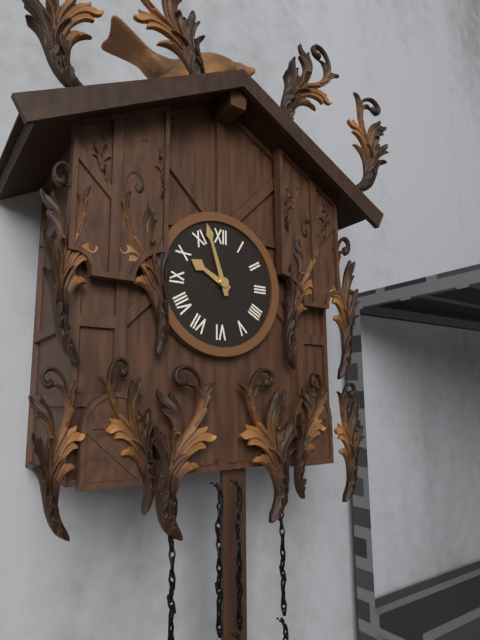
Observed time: 9:57
